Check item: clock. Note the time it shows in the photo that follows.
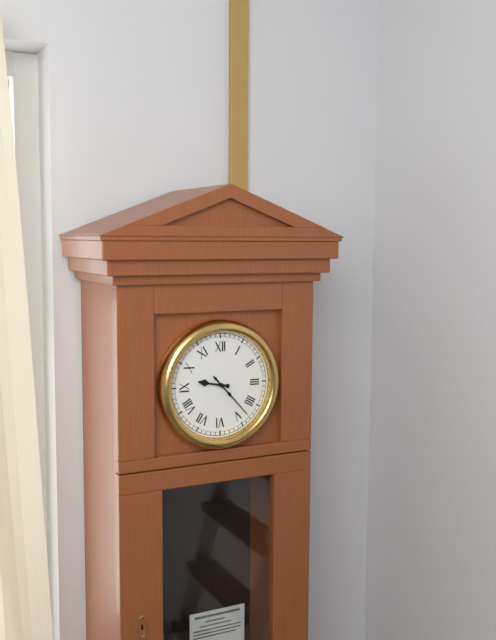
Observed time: 9:23
